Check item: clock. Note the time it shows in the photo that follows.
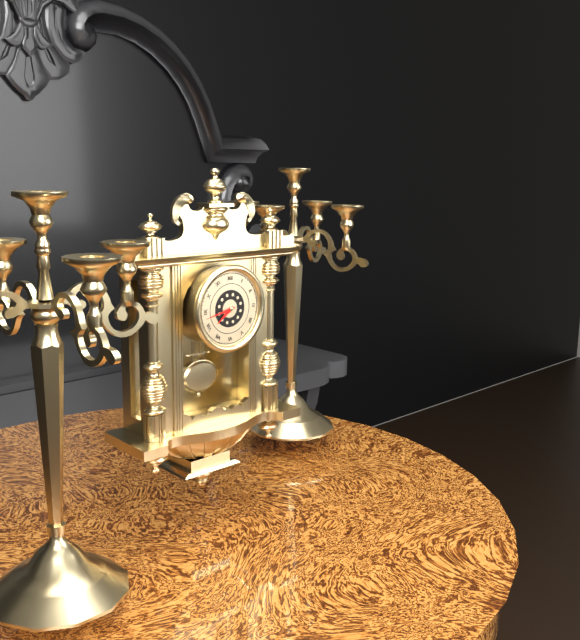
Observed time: 7:43
